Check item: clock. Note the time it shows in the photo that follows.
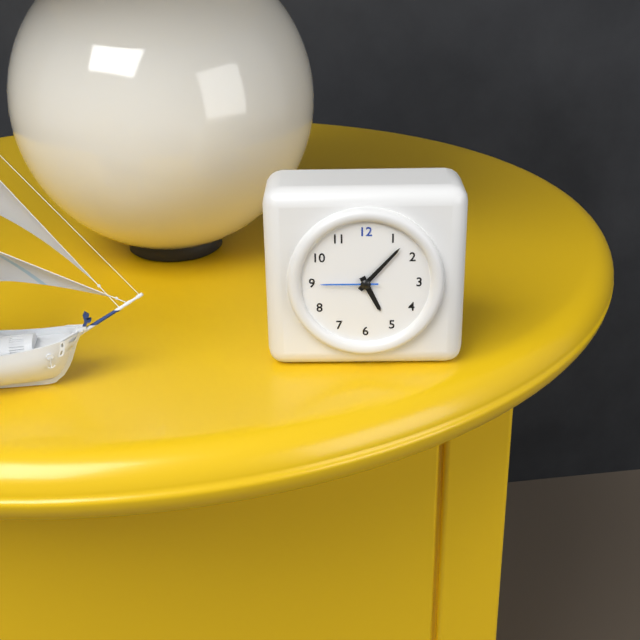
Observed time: 5:07:45
